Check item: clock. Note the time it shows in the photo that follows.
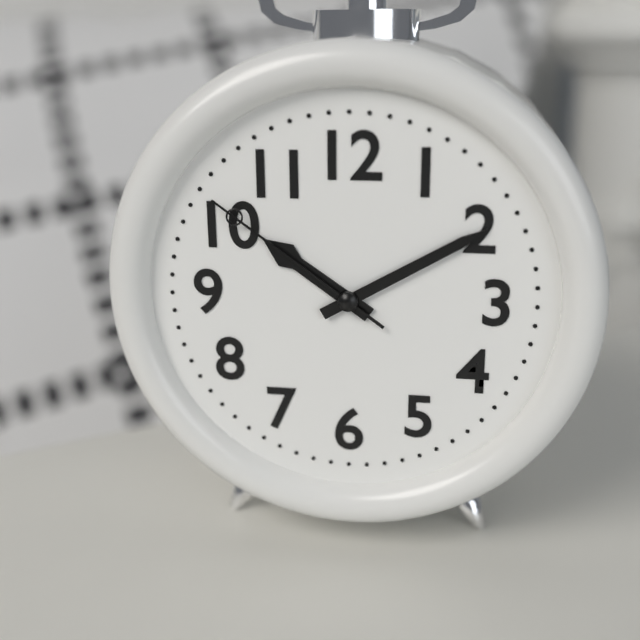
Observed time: 10:10:51
